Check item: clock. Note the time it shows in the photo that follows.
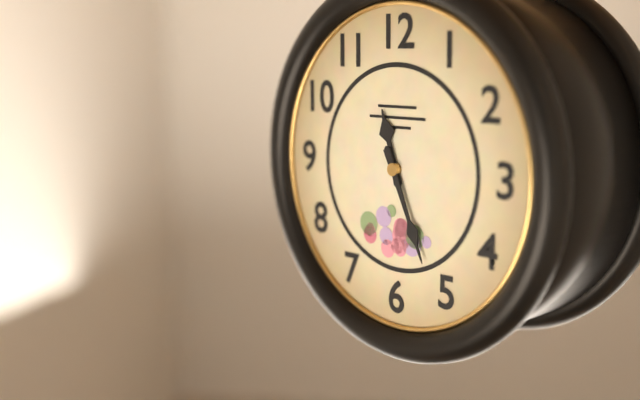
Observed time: 11:26
